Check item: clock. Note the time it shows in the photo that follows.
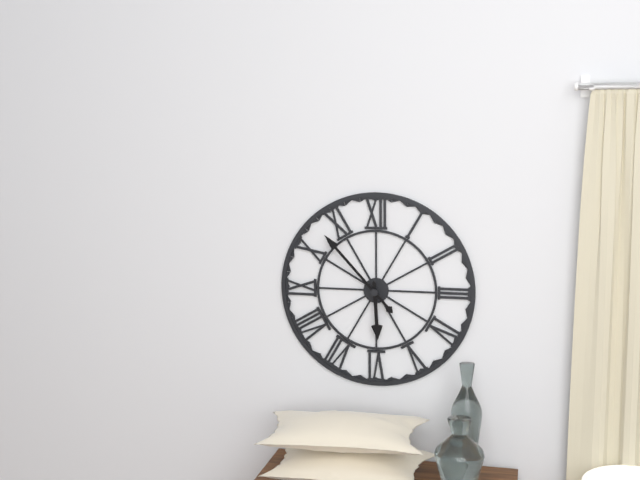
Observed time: 5:53
